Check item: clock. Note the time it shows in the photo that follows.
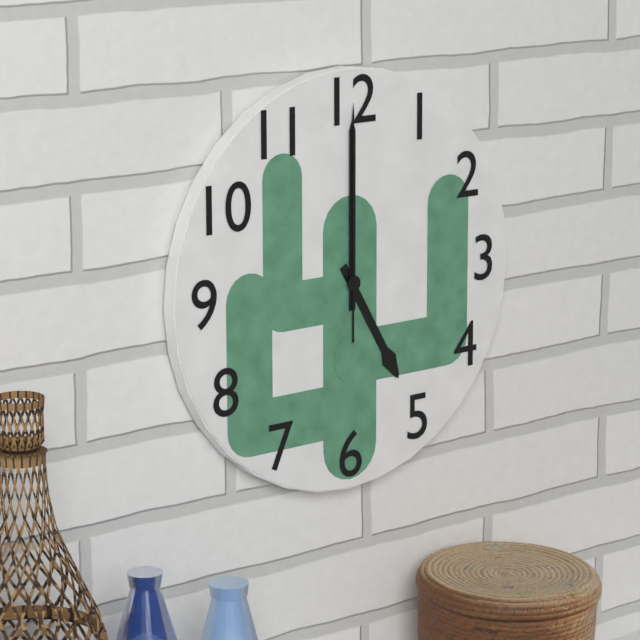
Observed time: 5:00:00
